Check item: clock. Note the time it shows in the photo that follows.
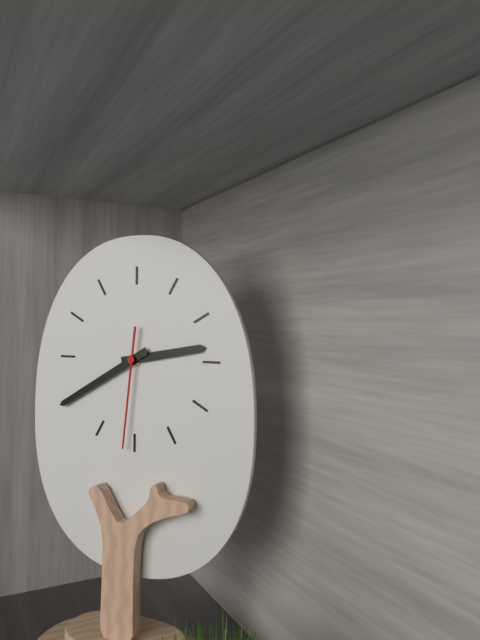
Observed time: 2:40:31
